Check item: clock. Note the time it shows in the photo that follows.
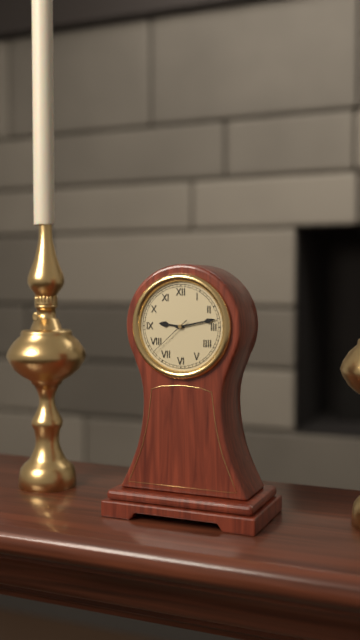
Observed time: 9:13:38
